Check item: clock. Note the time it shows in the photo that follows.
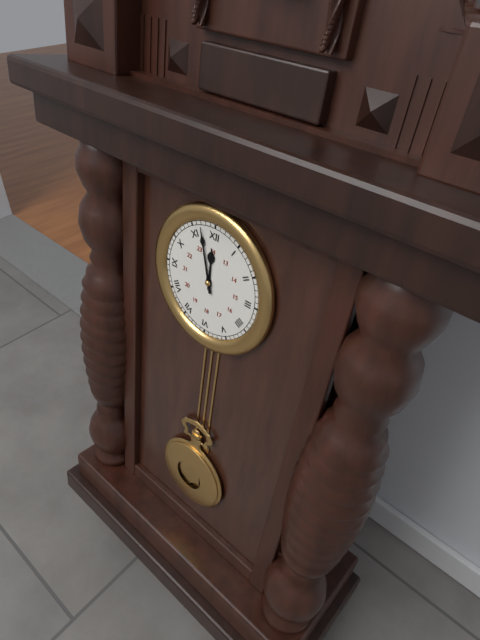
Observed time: 11:57
